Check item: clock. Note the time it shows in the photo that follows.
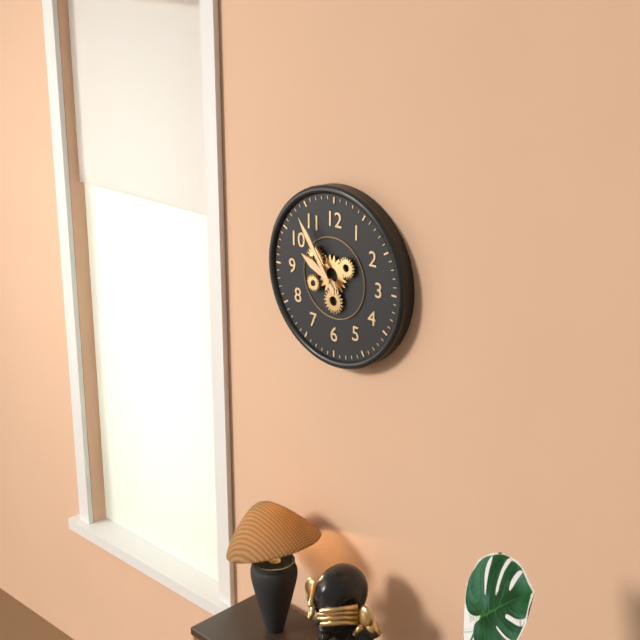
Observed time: 9:54
